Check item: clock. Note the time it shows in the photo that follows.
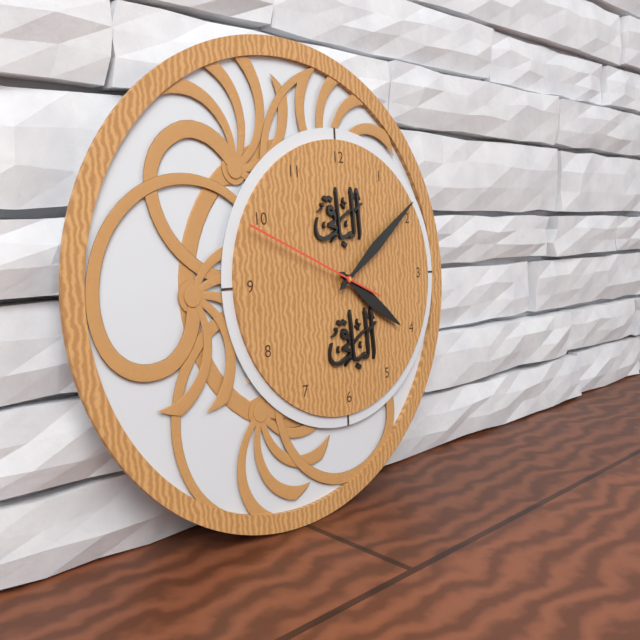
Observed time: 4:09:49
